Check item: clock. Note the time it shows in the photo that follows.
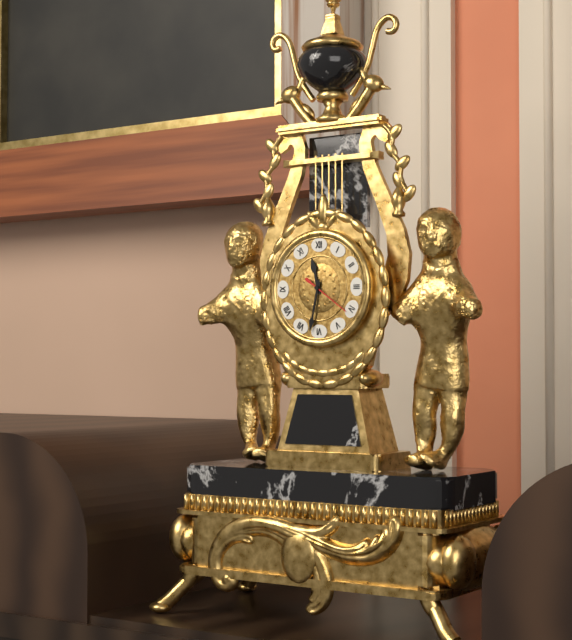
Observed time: 11:32
